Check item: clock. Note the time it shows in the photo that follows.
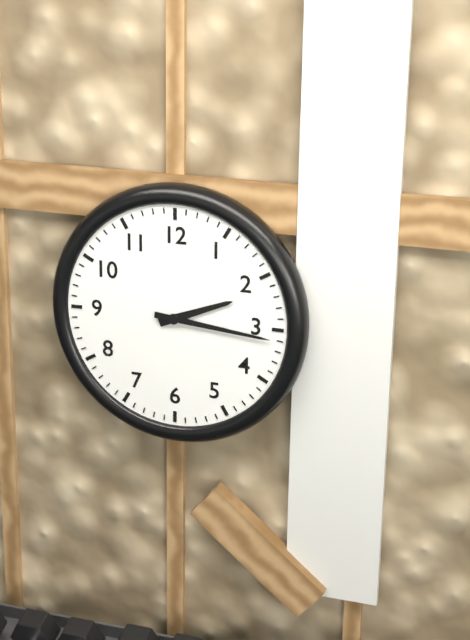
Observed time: 2:16
